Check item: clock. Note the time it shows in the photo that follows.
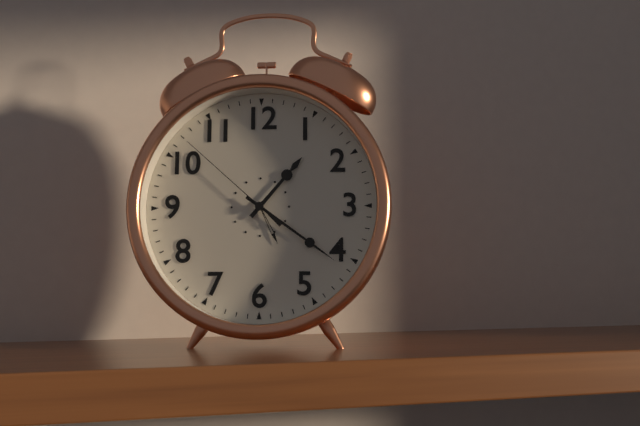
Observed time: 1:21:52
